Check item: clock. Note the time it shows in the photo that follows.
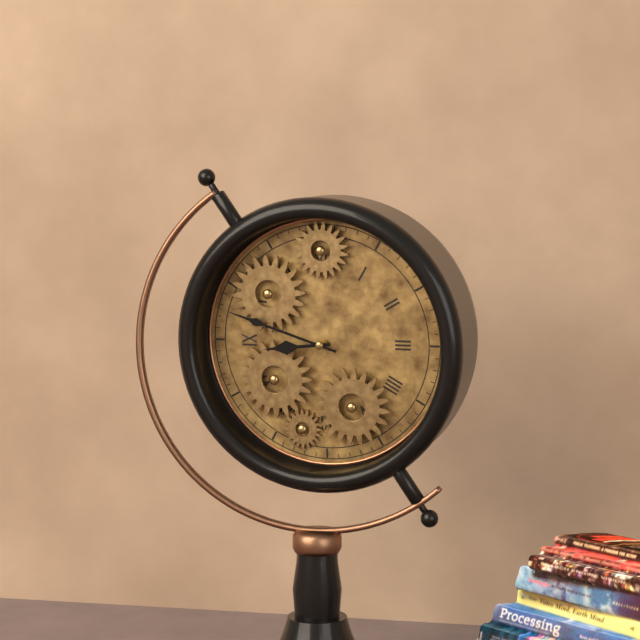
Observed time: 8:48
